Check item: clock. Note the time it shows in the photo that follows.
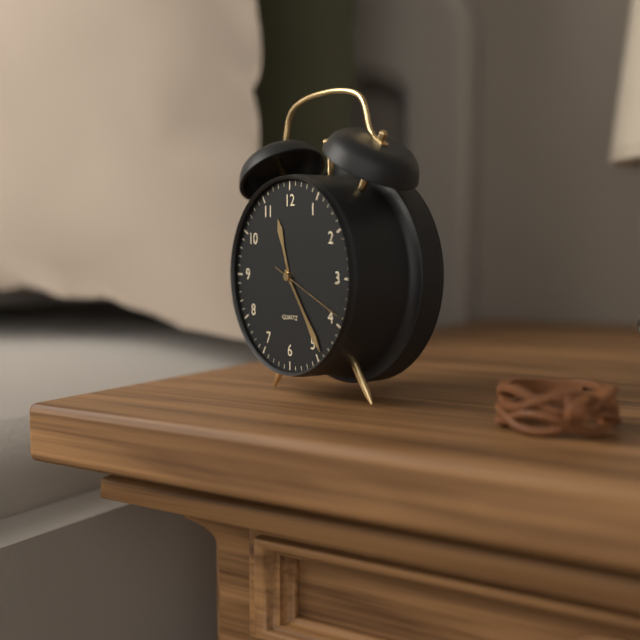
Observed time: 11:24:19
